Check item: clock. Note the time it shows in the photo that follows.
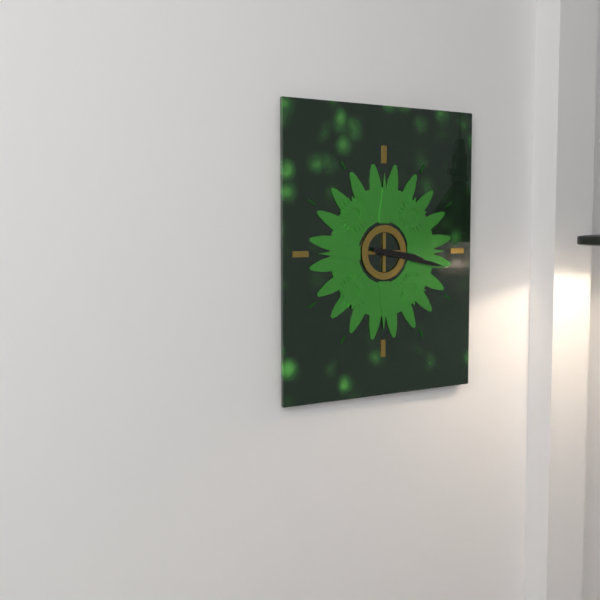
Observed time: 3:17
